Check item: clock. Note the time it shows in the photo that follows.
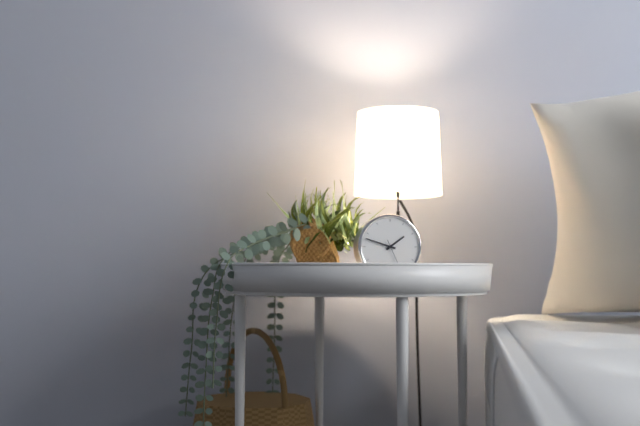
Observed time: 1:48
